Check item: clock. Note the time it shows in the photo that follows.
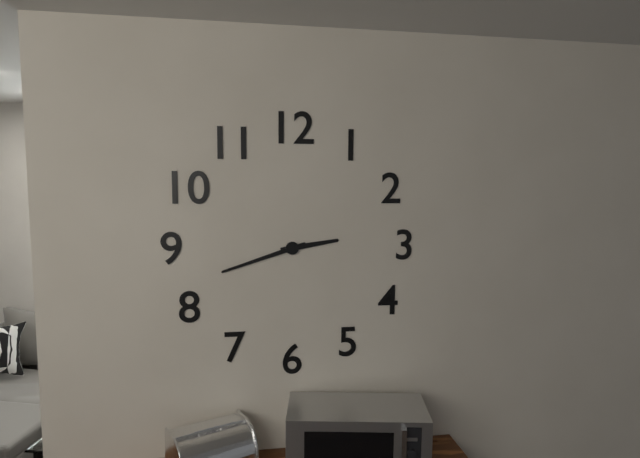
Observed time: 2:42
